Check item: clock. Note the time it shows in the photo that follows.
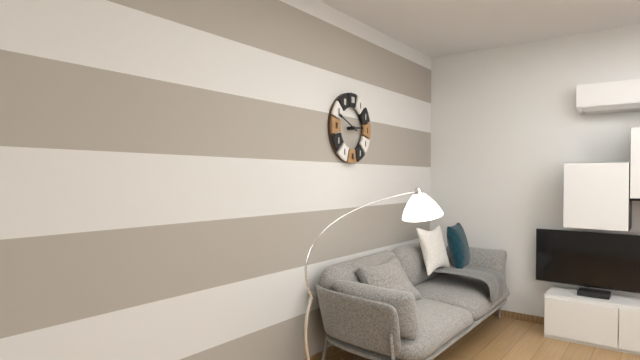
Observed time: 2:49
